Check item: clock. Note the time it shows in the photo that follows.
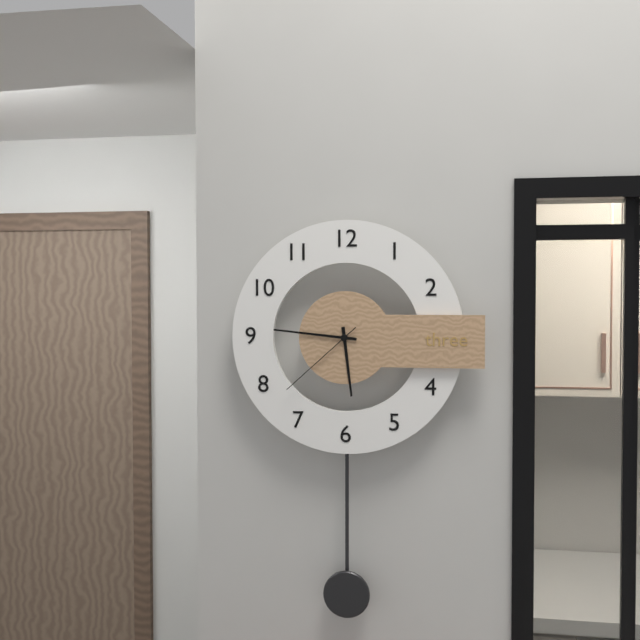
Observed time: 5:46:38
